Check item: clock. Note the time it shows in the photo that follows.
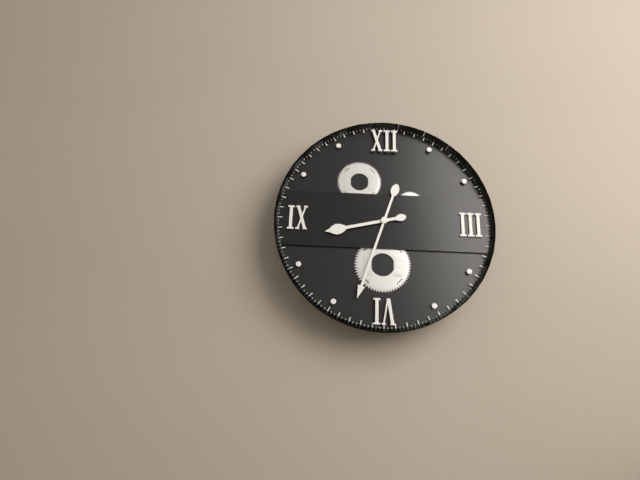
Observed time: 8:33
